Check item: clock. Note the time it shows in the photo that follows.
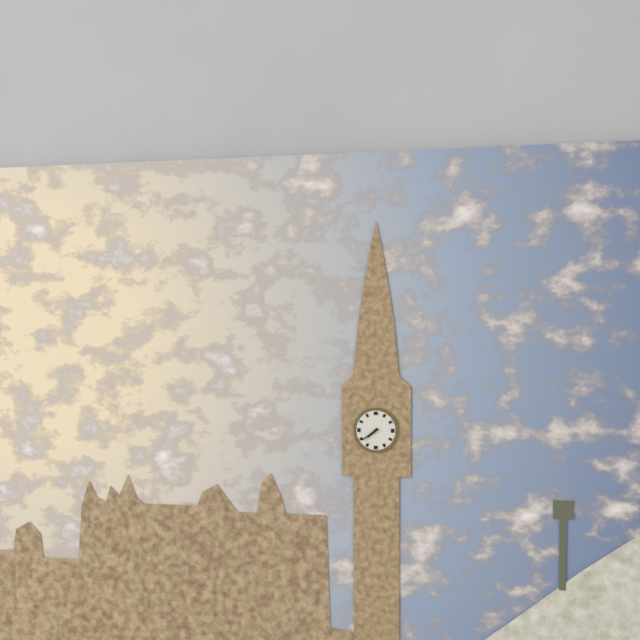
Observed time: 7:39
